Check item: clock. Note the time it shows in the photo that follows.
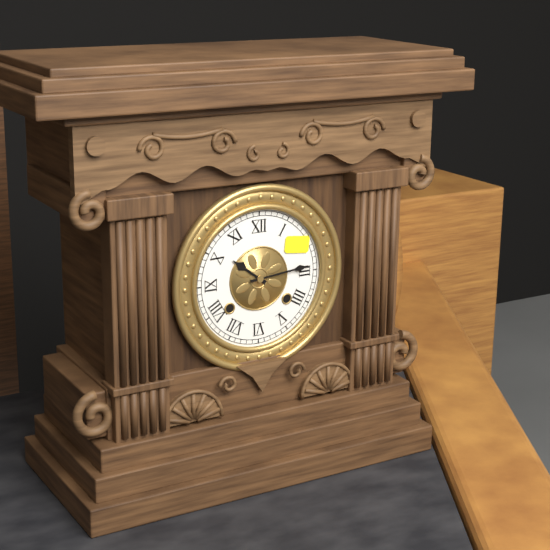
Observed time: 10:14
